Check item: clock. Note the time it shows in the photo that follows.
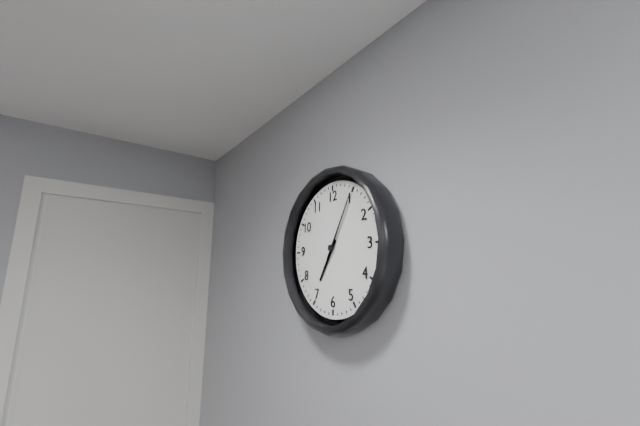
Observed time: 7:05
